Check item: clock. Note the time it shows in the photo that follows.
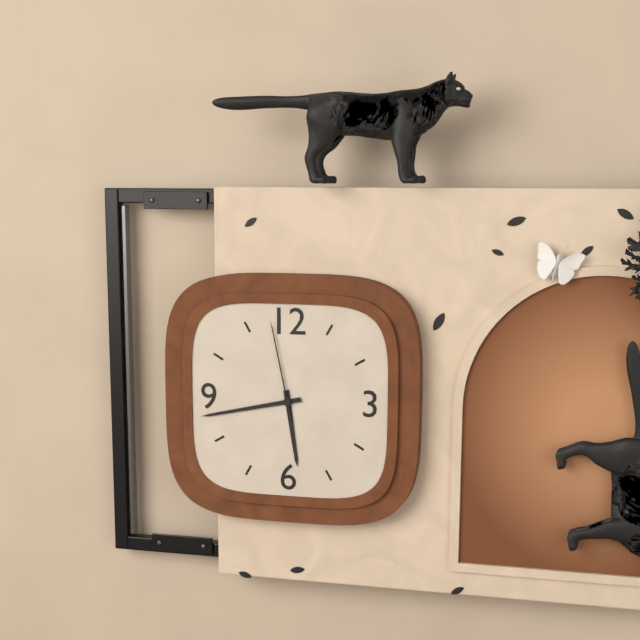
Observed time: 5:43:58
